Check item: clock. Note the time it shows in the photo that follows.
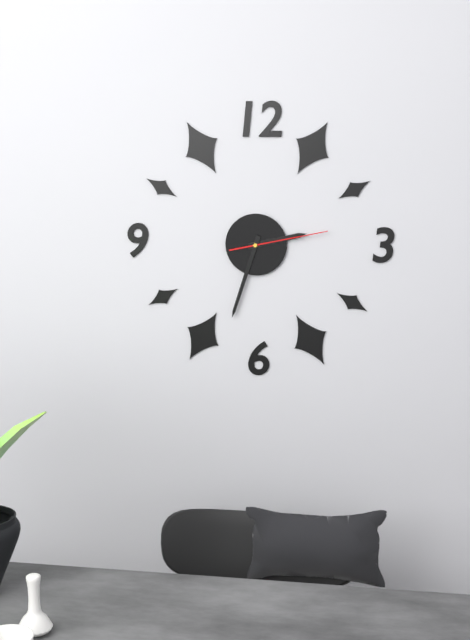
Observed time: 2:33:13
